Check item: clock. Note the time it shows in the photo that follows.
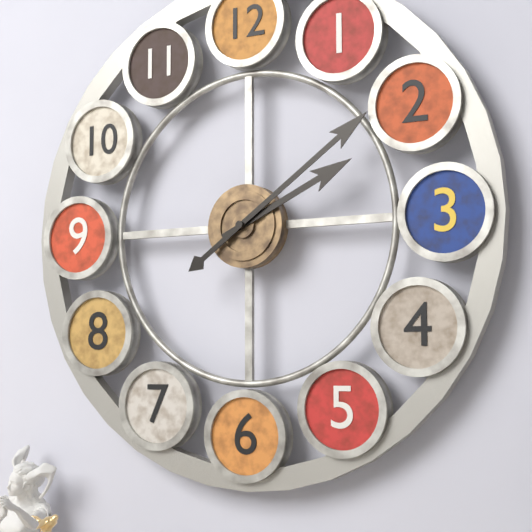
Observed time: 2:09
